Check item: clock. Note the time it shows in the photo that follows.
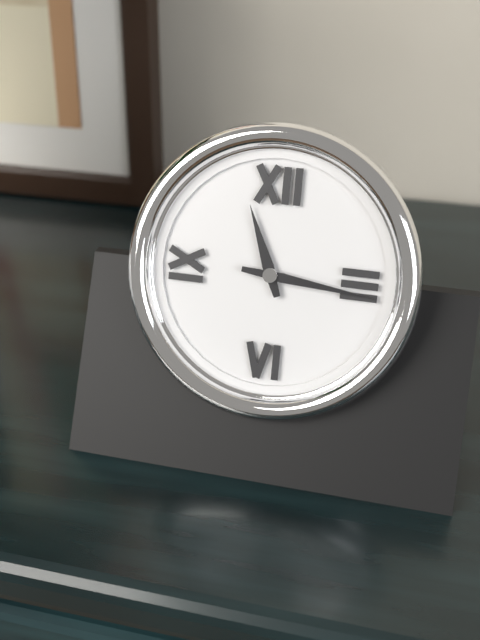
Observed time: 11:16
